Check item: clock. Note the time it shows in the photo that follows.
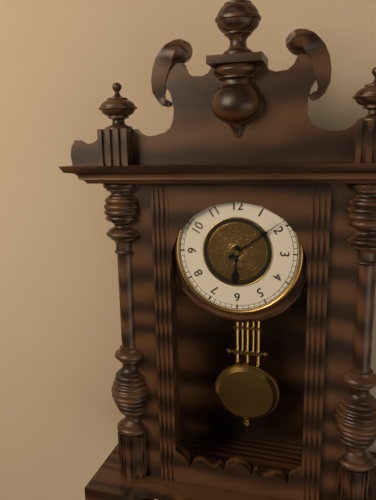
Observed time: 6:09
